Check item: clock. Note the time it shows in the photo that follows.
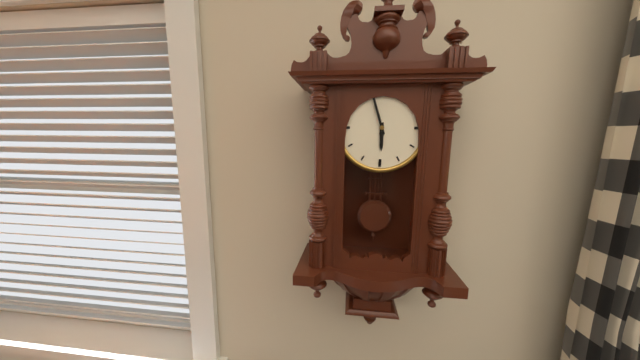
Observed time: 5:57
